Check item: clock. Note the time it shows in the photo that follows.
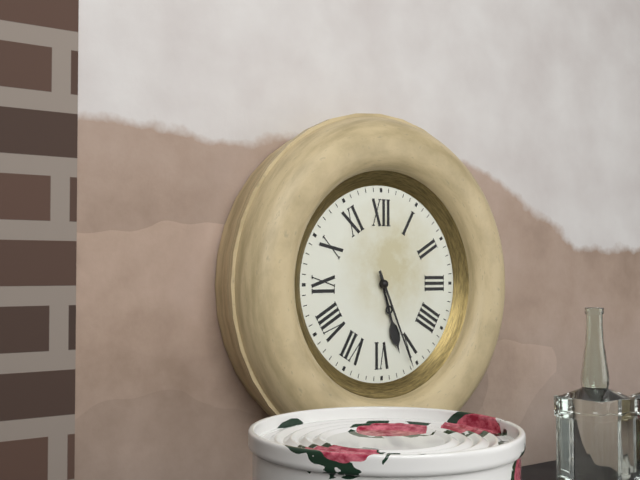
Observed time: 5:26
